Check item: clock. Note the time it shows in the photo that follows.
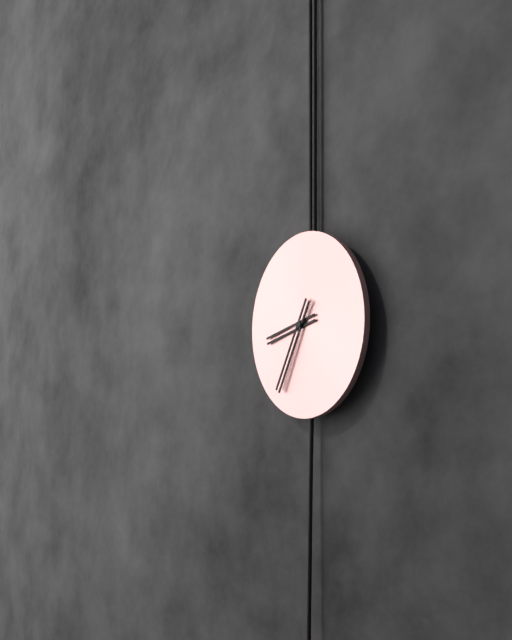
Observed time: 8:35
